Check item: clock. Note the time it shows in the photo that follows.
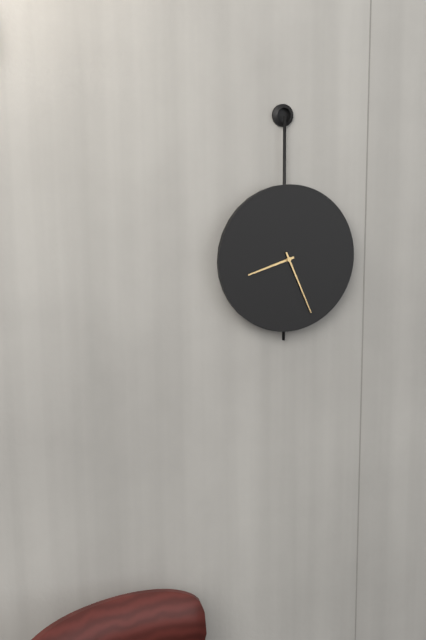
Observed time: 8:26
